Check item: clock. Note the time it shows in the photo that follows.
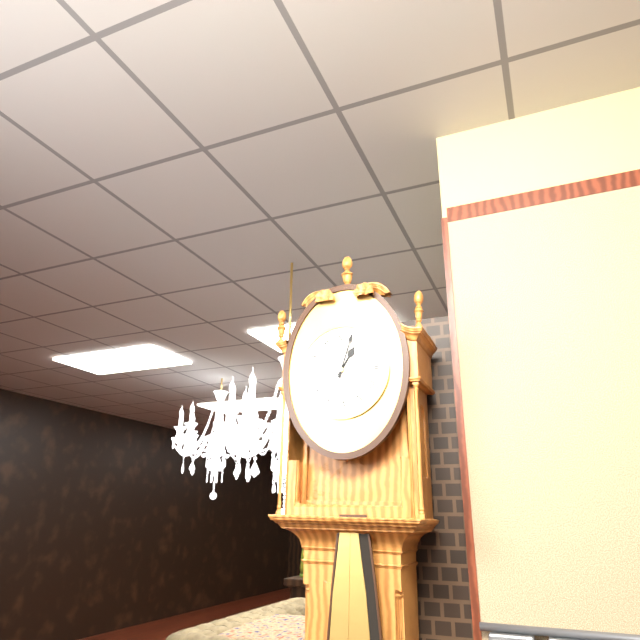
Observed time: 1:03
